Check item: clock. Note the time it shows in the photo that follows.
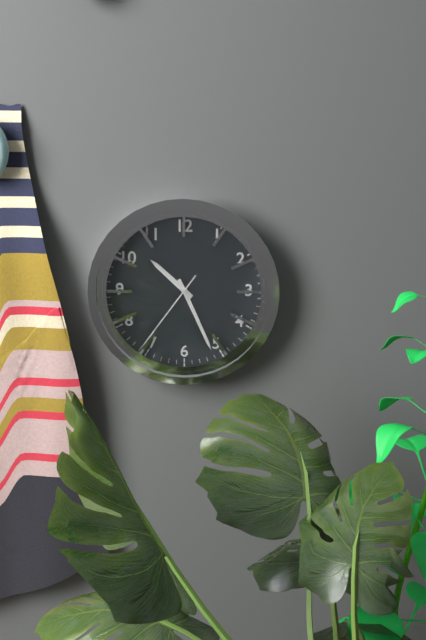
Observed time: 10:26:36
